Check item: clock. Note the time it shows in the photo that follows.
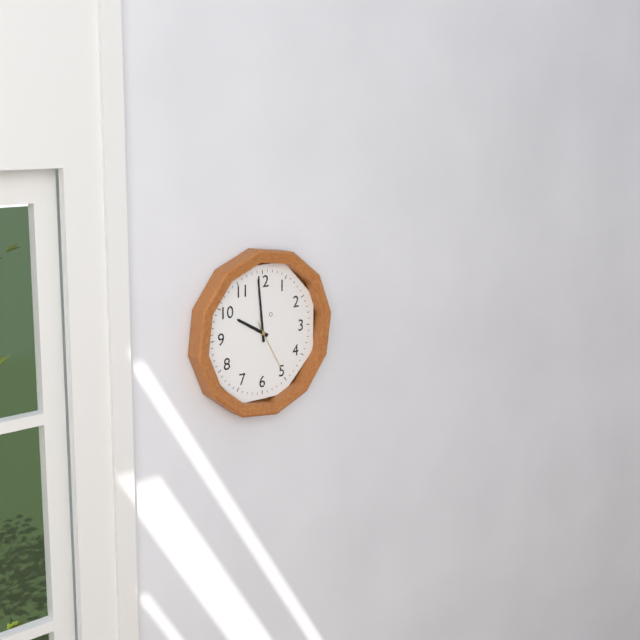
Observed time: 9:59:25
